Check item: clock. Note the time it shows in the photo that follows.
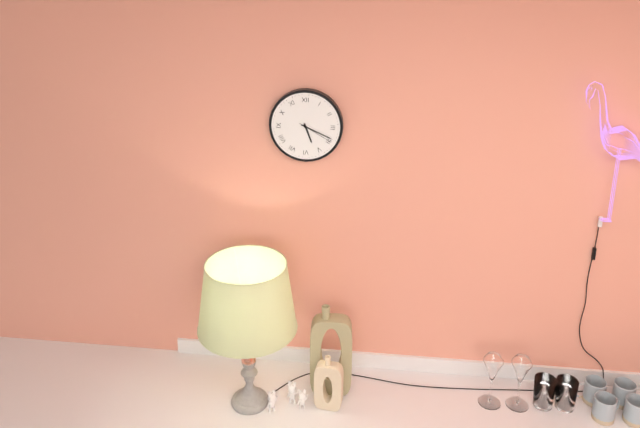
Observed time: 5:19
